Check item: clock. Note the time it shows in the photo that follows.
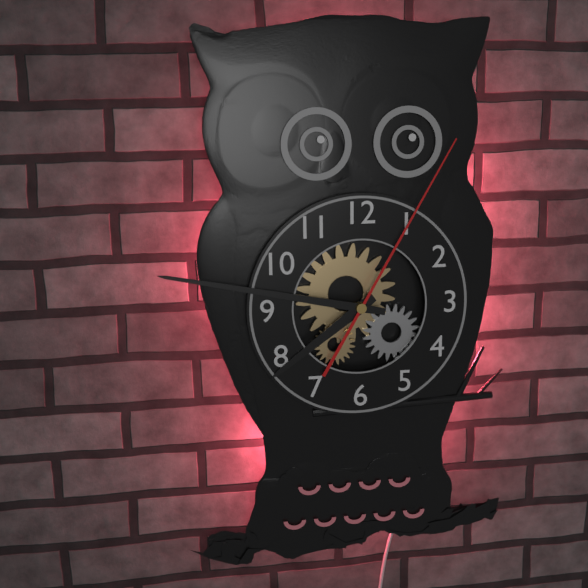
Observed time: 7:47:05
